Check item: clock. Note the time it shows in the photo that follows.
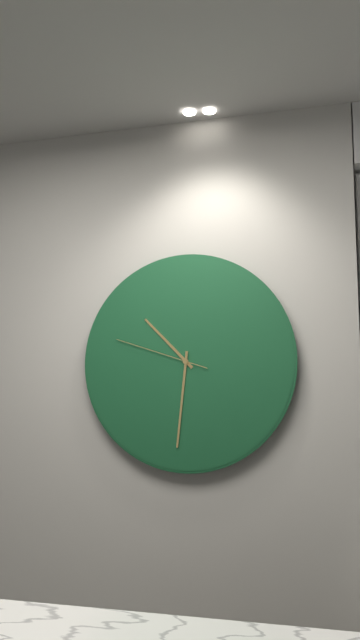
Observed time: 10:31:48
